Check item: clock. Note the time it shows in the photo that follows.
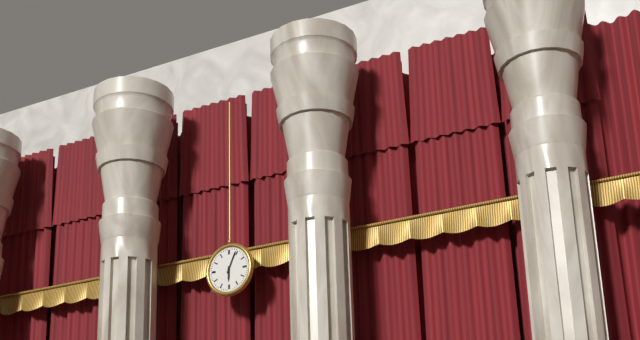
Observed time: 6:04
